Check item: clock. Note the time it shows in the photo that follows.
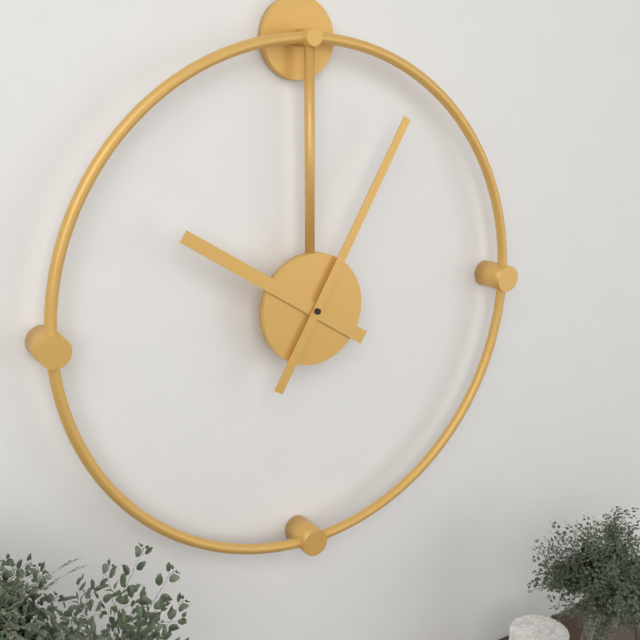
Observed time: 10:05
